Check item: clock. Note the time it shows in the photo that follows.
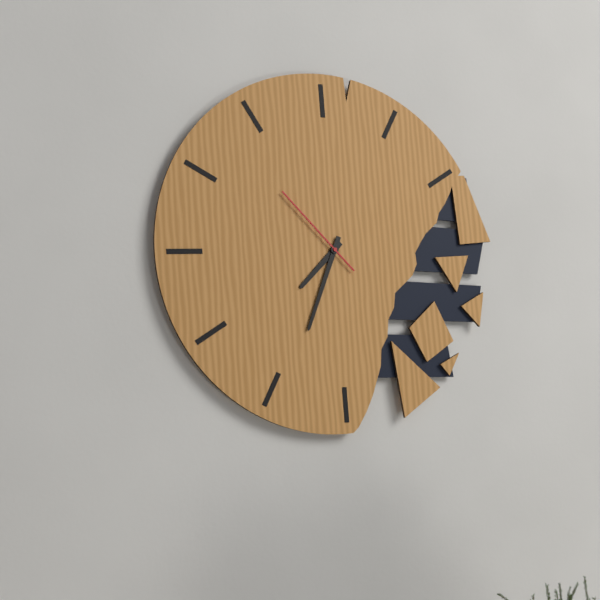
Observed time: 7:34:53
